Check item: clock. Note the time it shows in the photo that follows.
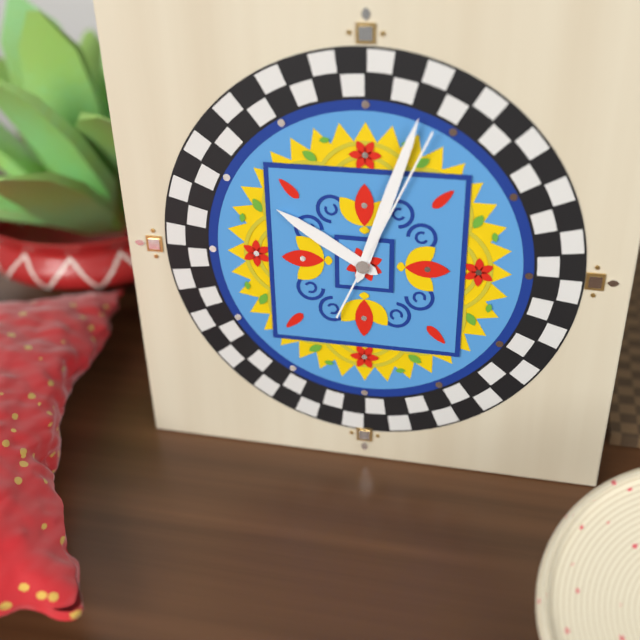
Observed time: 10:03:04
